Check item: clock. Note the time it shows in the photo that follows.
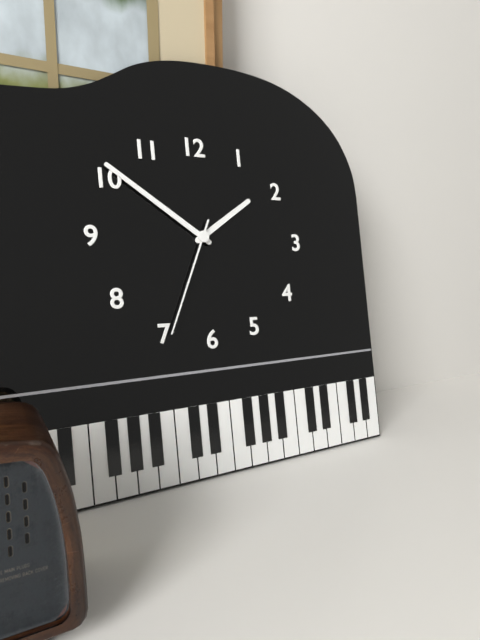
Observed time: 1:51:34
